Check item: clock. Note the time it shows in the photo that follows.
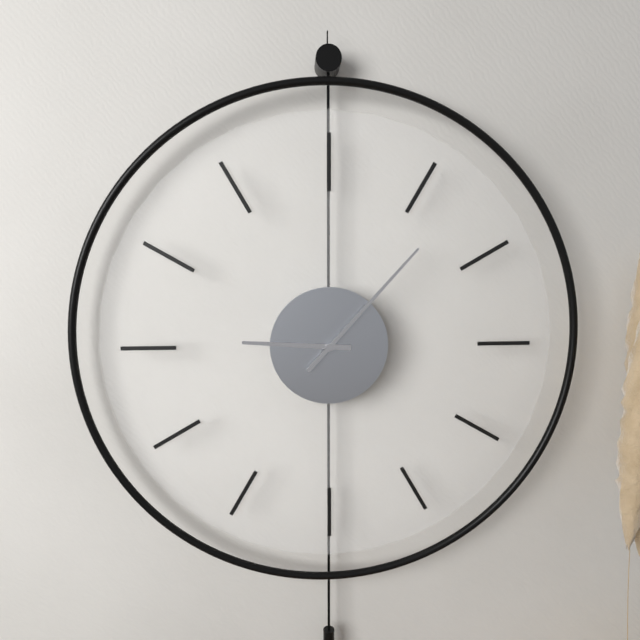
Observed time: 9:07
